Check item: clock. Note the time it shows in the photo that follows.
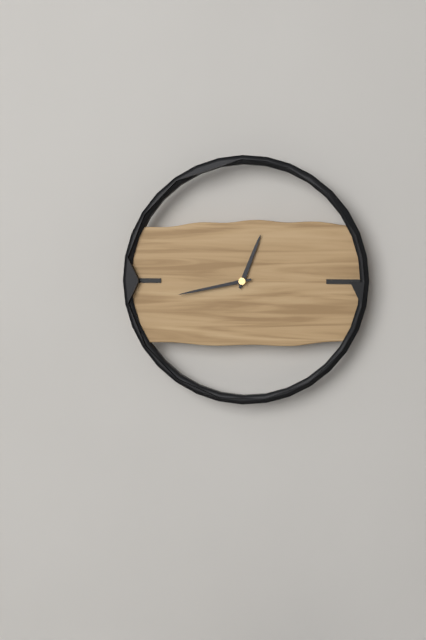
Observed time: 12:43
